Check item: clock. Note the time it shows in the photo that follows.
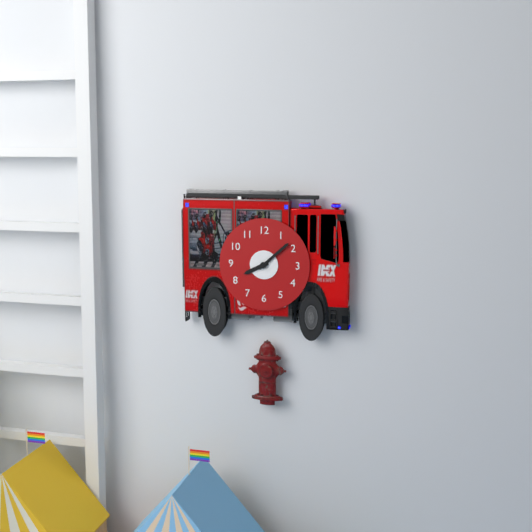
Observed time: 8:08
